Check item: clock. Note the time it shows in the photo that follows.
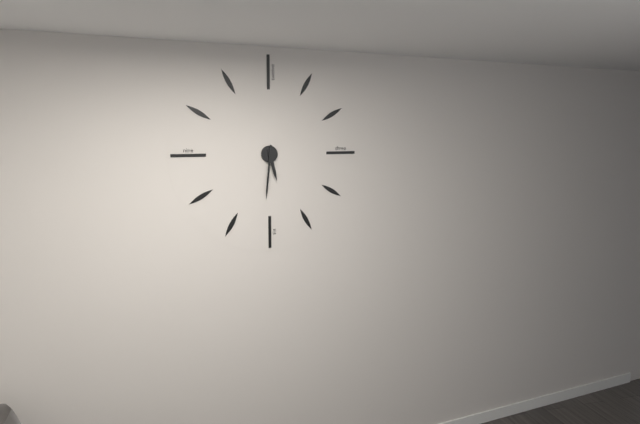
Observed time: 5:31
